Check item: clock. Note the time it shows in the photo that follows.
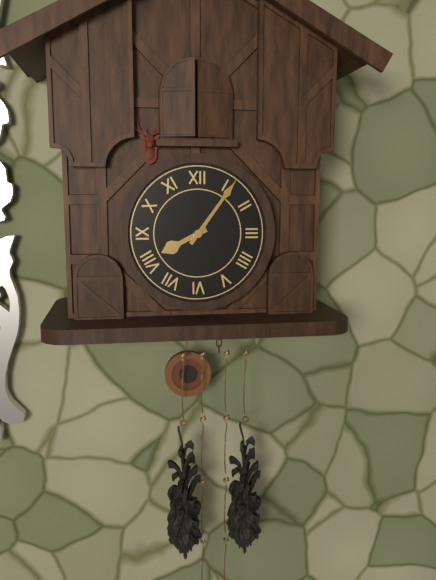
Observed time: 8:06
